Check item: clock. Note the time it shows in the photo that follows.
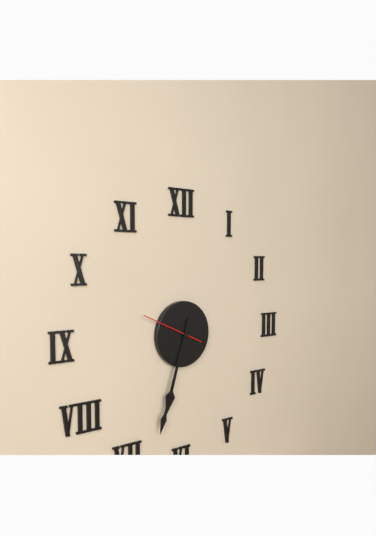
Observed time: 6:33:49
